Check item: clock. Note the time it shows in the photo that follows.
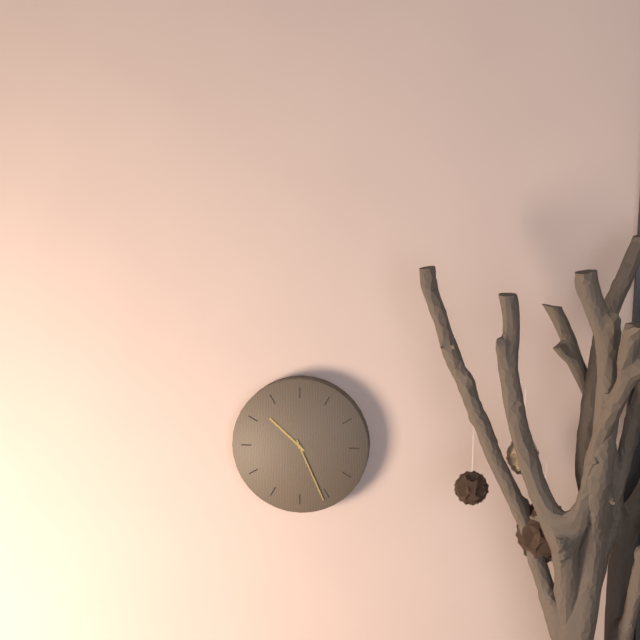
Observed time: 10:26
